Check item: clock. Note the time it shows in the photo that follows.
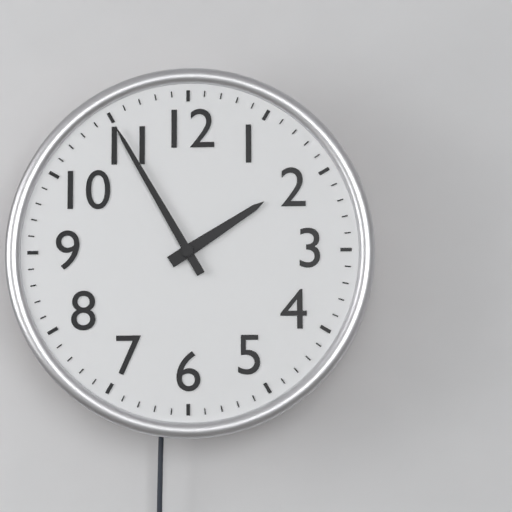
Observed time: 1:55
